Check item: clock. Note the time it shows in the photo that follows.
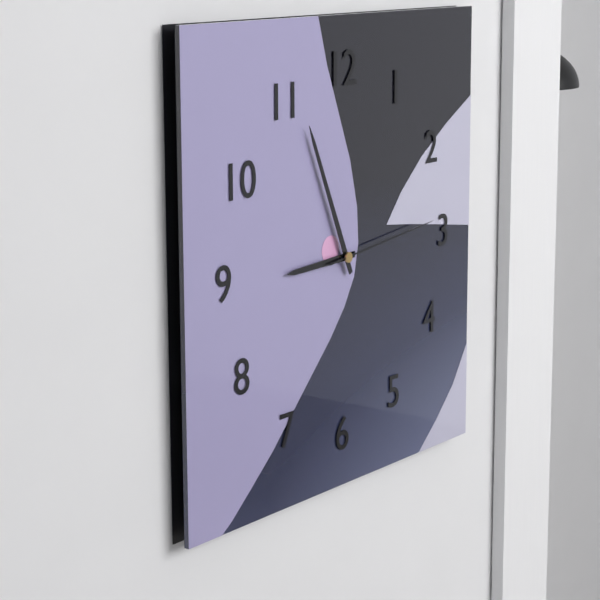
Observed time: 8:56:14
